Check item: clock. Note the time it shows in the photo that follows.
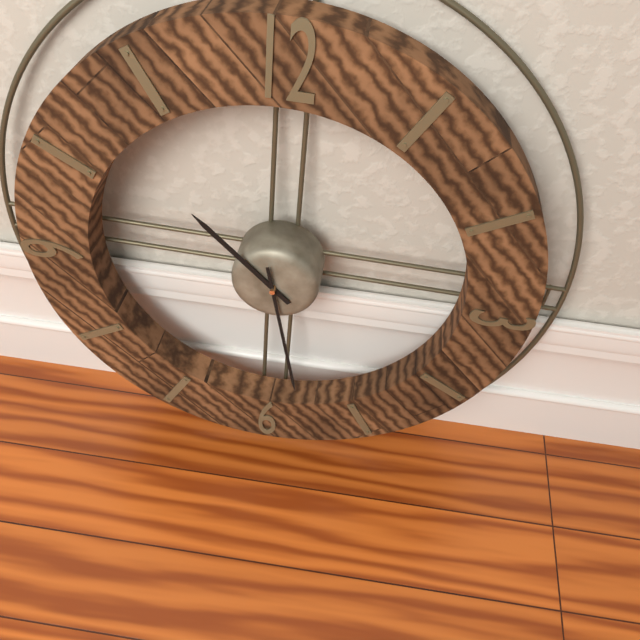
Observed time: 10:28
